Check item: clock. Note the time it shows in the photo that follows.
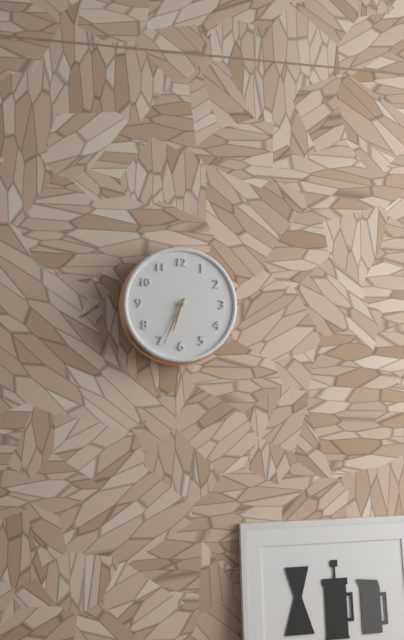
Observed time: 6:34
